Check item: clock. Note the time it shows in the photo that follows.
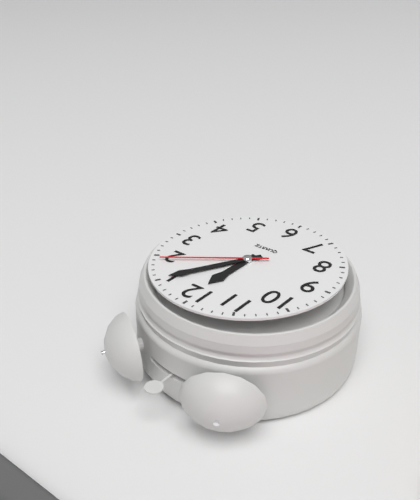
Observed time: 12:05:09
